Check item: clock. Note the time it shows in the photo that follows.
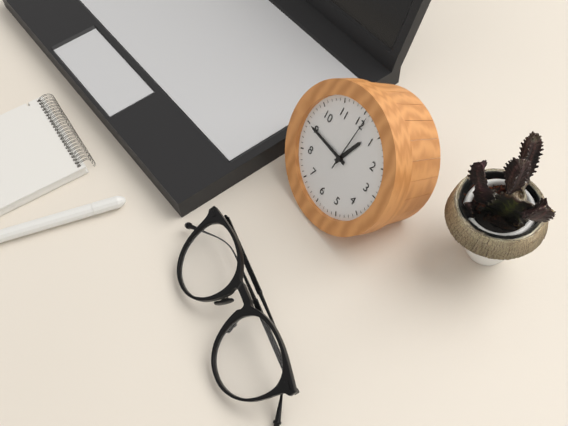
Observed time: 12:45:01
